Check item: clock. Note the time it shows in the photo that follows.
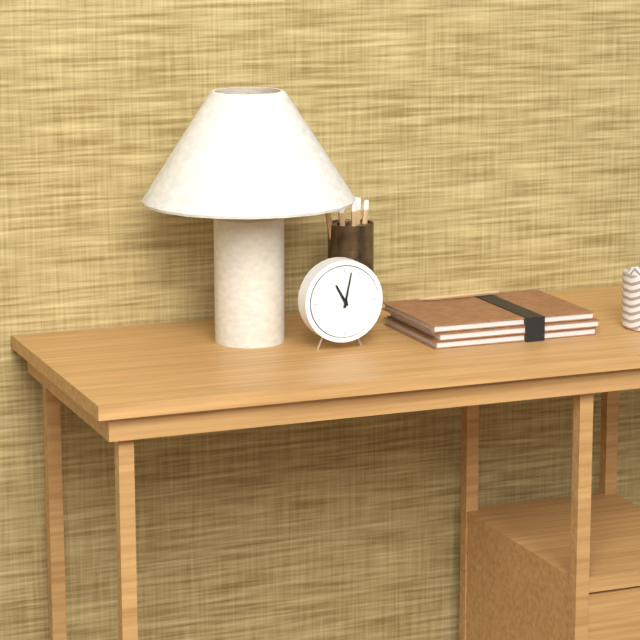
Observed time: 11:02
